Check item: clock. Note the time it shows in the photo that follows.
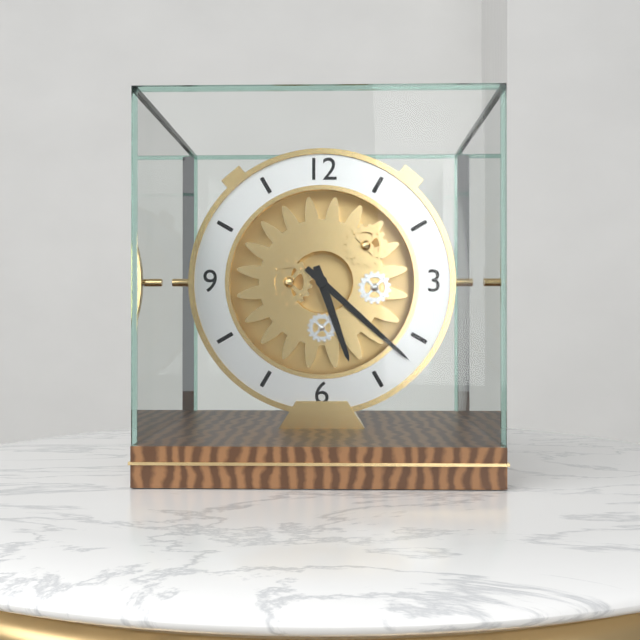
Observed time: 5:22
